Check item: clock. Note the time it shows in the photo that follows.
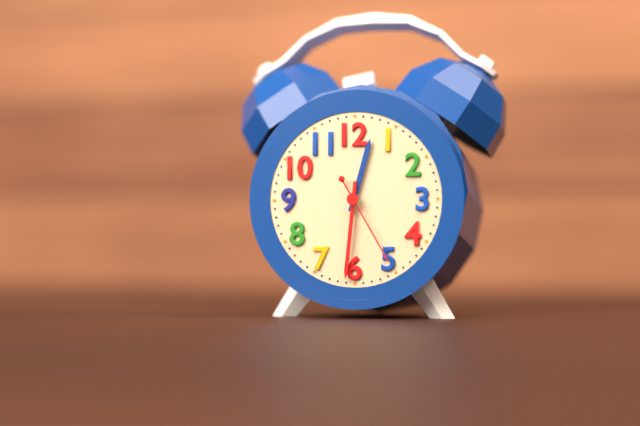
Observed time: 12:31:25
